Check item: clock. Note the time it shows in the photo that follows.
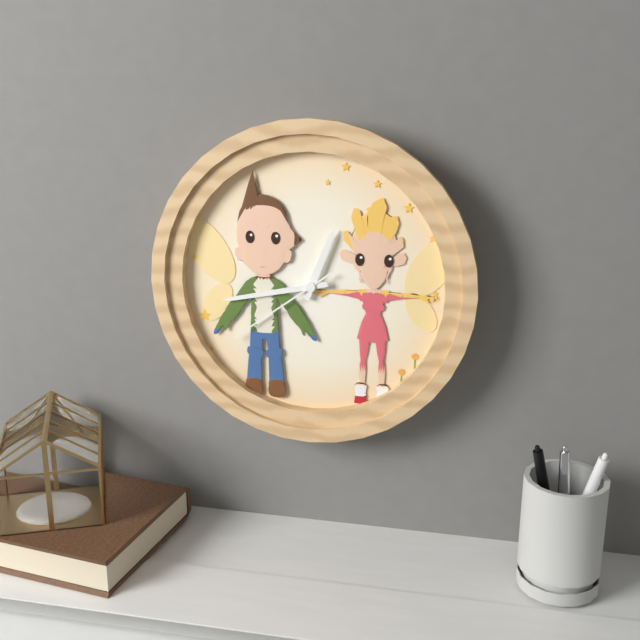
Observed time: 12:43:39
